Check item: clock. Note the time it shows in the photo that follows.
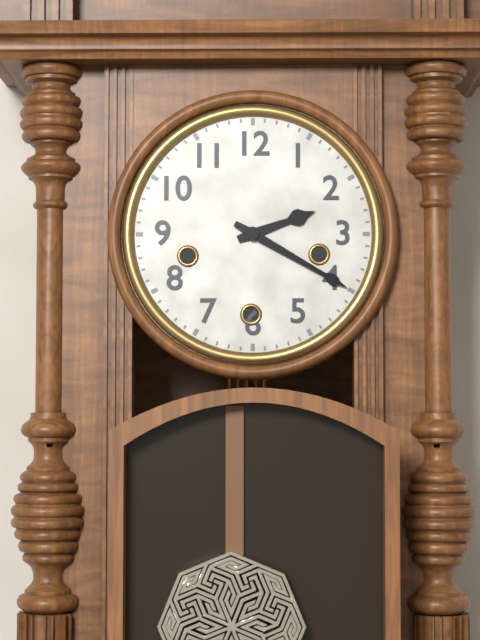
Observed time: 2:20
